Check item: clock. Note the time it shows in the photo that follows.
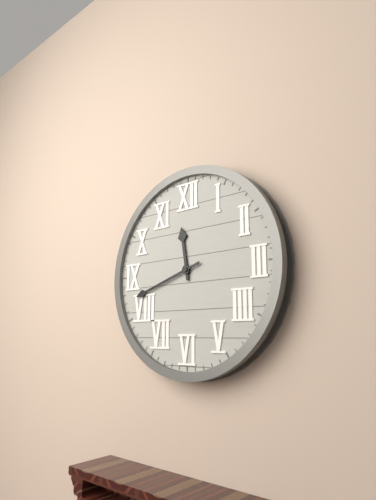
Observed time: 11:42
